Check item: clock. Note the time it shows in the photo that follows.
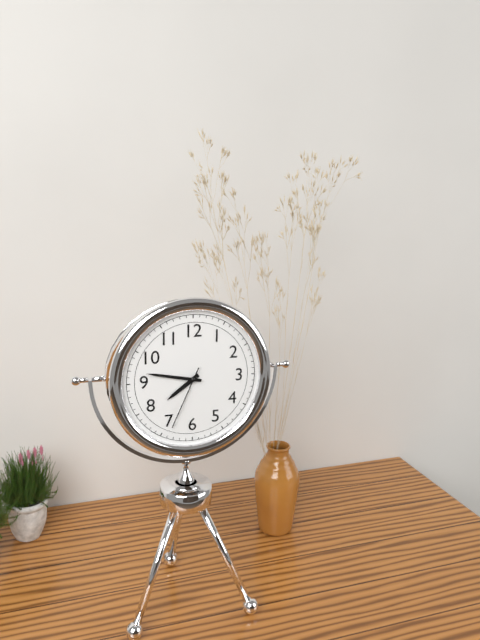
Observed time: 7:47:34
